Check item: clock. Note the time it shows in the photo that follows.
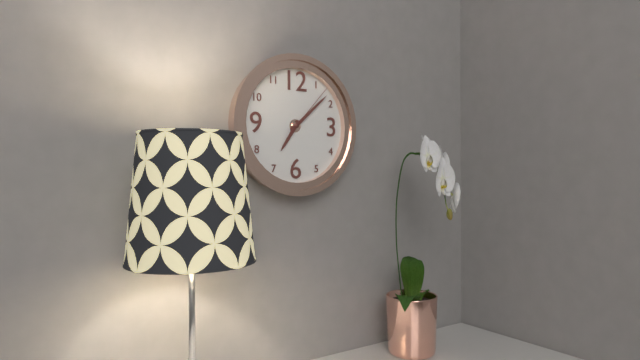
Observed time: 7:08:07
